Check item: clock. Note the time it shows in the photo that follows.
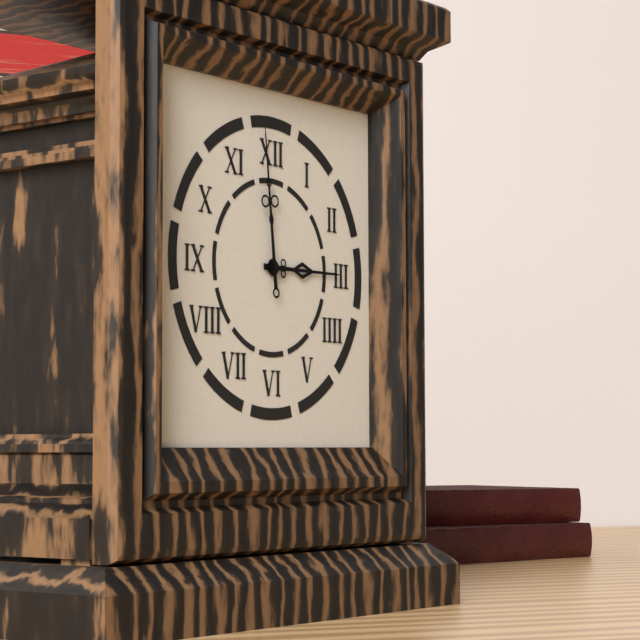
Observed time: 2:59
